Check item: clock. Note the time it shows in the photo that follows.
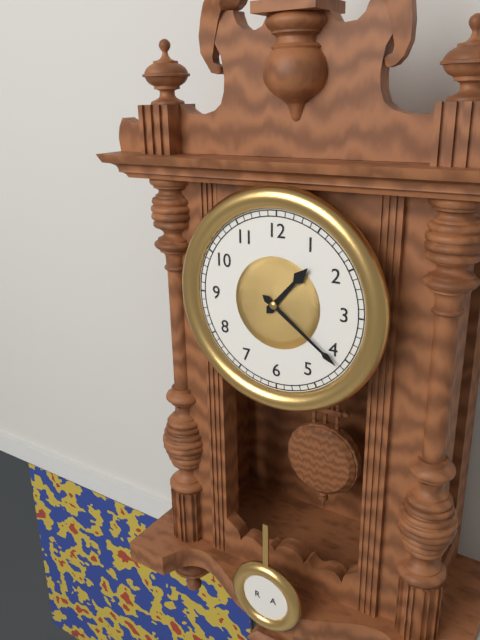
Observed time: 1:21
